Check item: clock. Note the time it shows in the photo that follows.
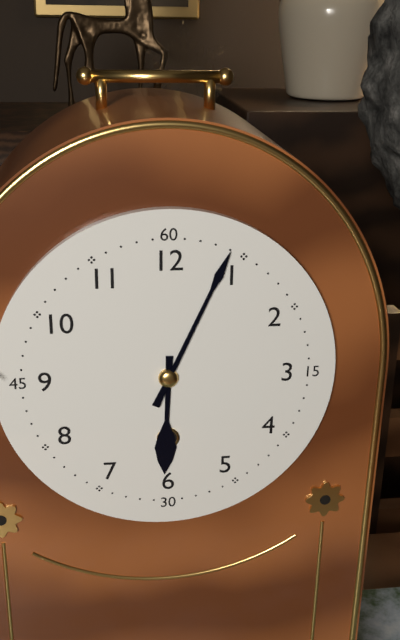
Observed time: 6:04
